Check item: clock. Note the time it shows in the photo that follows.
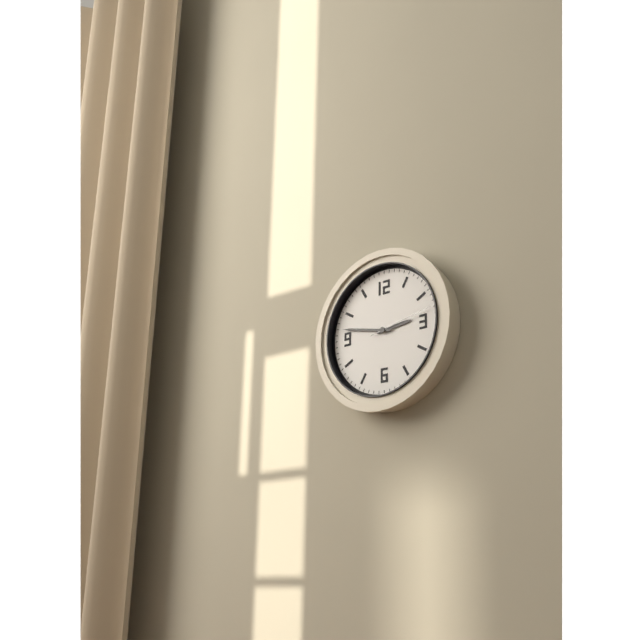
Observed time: 2:47:13
